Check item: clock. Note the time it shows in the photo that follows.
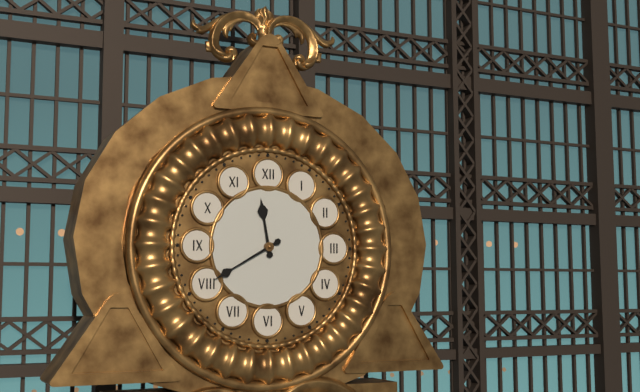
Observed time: 11:40
